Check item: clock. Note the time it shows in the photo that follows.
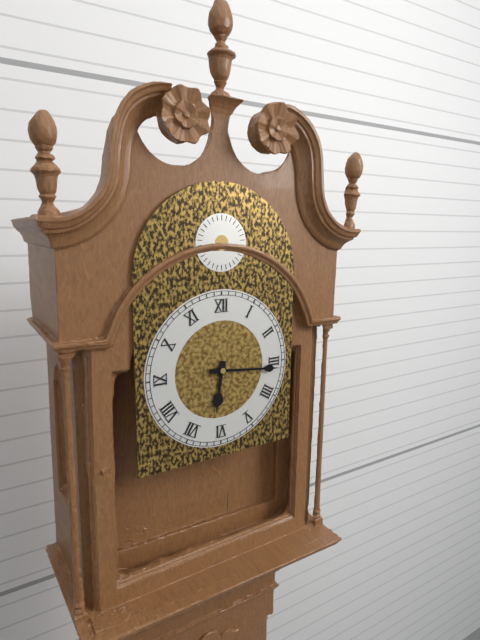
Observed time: 6:16
